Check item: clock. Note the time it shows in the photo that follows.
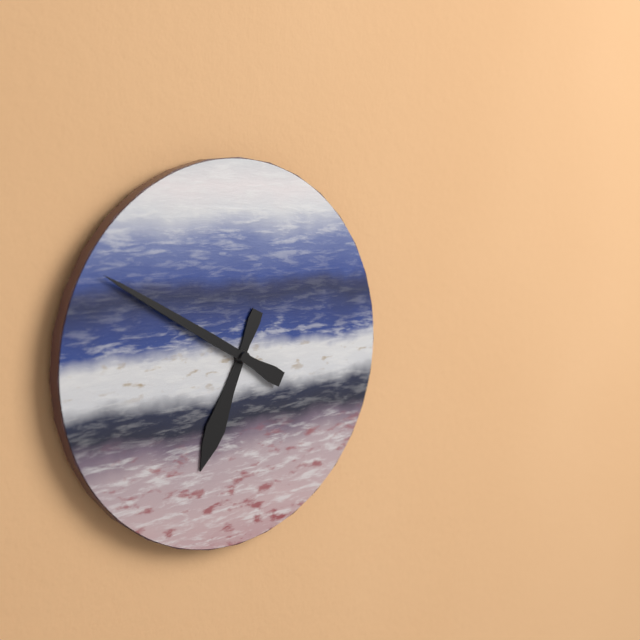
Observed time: 6:50
